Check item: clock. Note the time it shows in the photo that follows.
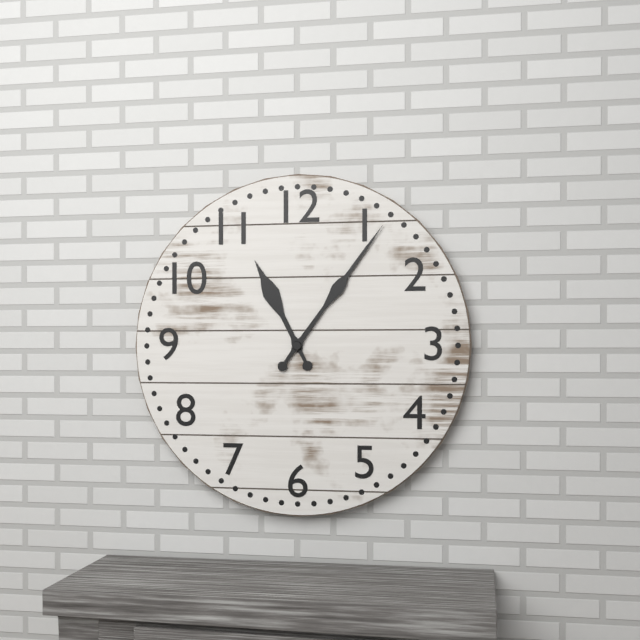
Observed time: 11:06
